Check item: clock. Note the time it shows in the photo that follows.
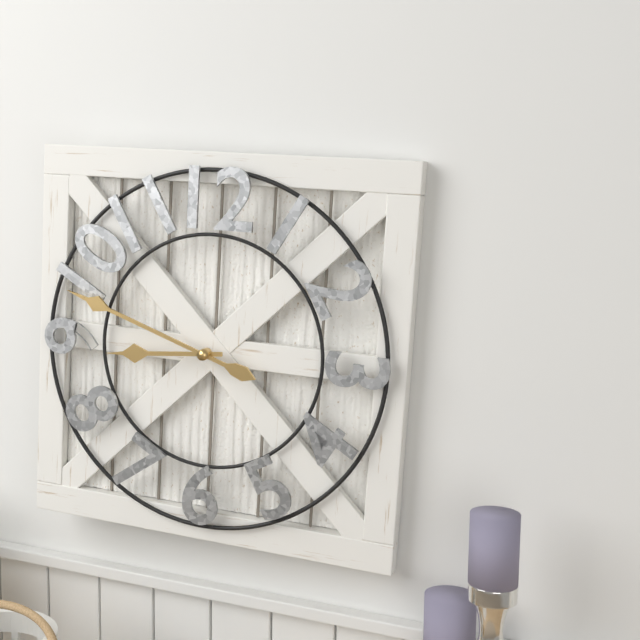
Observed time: 8:48
